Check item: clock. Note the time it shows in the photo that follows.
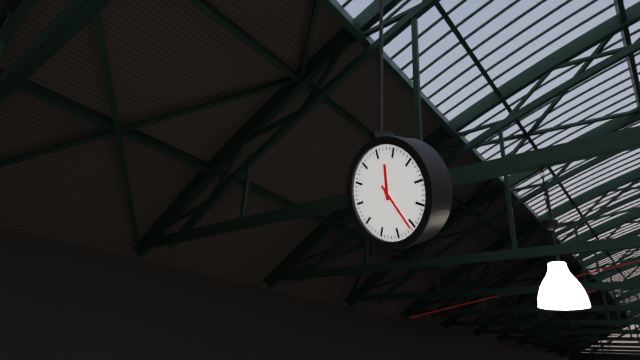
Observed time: 12:26
